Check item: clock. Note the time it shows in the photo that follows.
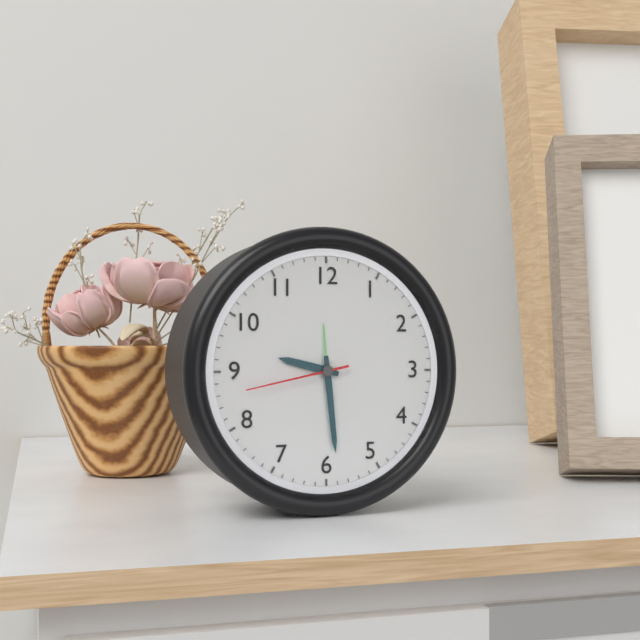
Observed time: 9:29:43
